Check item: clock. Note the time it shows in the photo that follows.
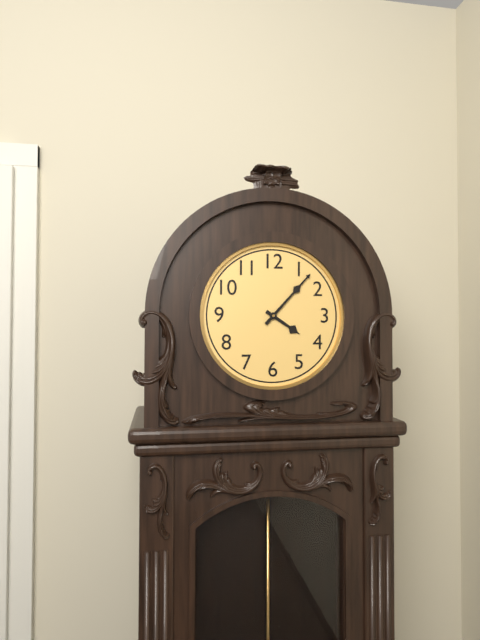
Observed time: 4:07
